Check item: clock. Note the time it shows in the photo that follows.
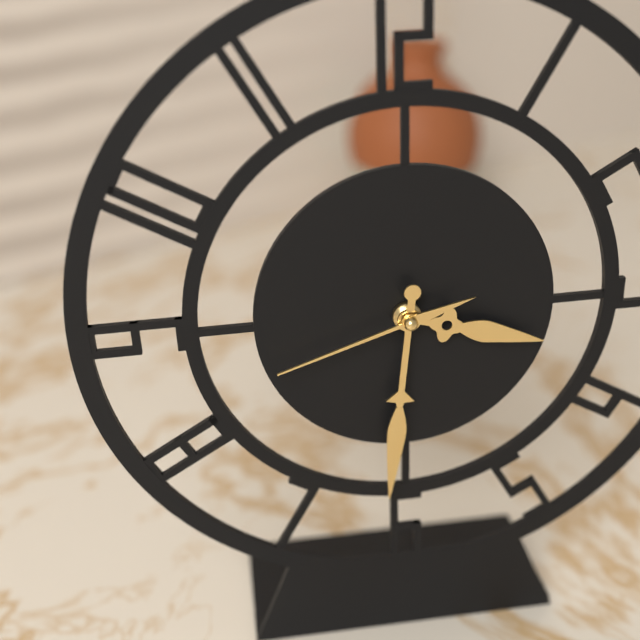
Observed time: 3:31:42
